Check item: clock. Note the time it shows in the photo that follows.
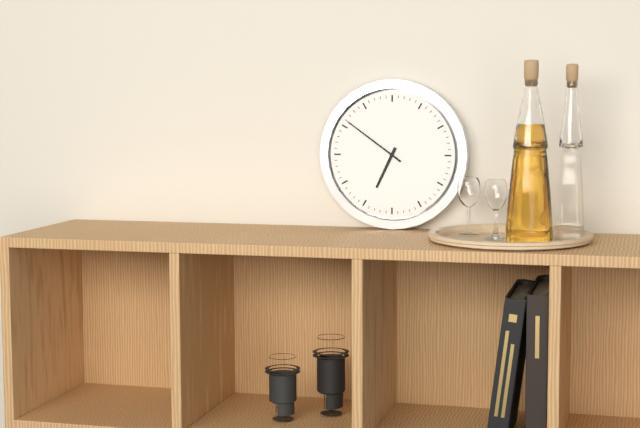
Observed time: 6:51
